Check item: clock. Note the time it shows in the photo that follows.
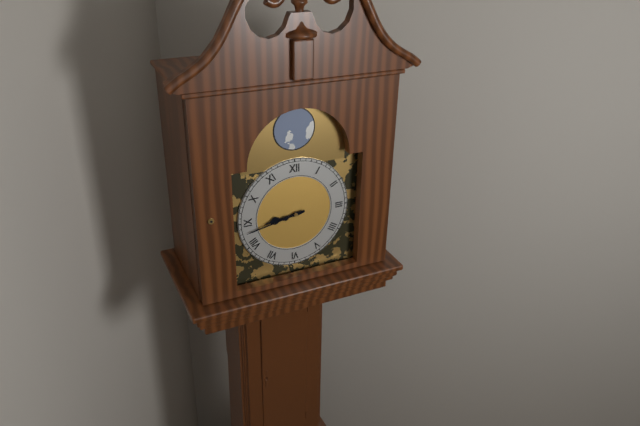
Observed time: 8:43
